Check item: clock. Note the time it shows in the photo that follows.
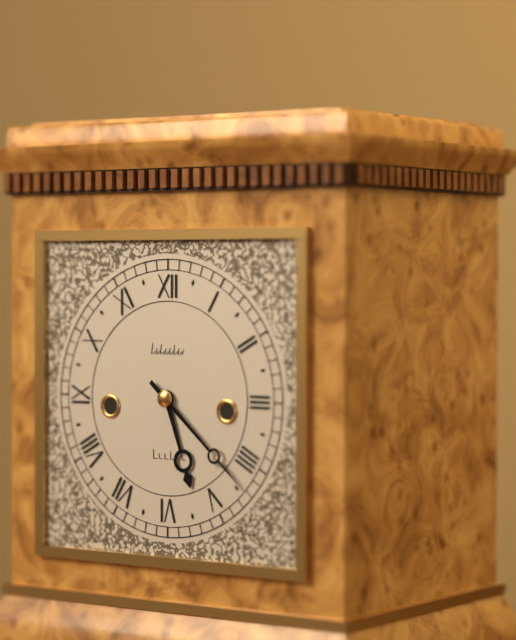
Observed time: 5:22
